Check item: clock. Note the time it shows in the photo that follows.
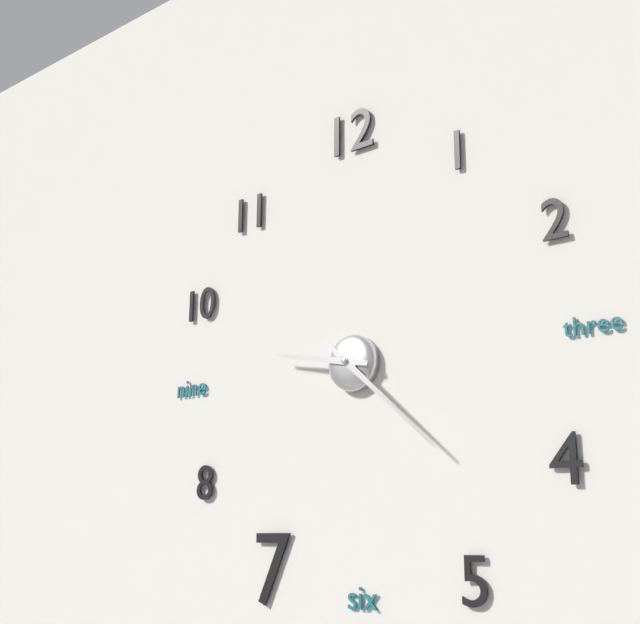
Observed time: 9:22
